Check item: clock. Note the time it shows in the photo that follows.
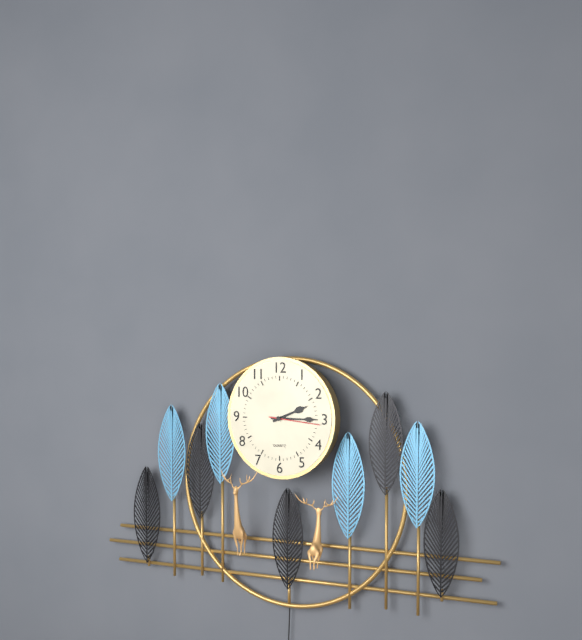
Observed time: 2:15:16
